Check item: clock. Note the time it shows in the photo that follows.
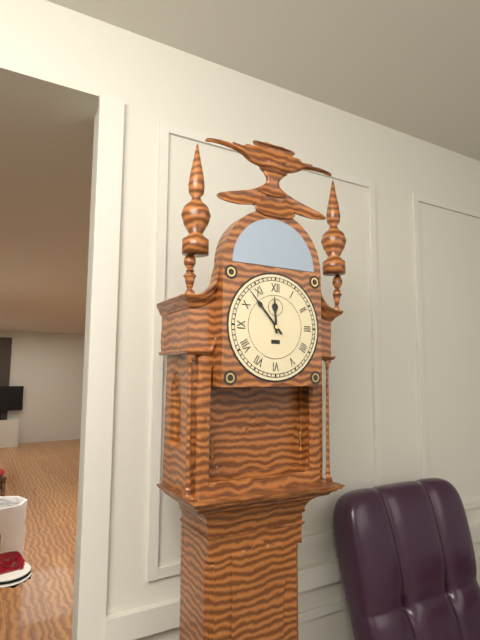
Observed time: 11:53
